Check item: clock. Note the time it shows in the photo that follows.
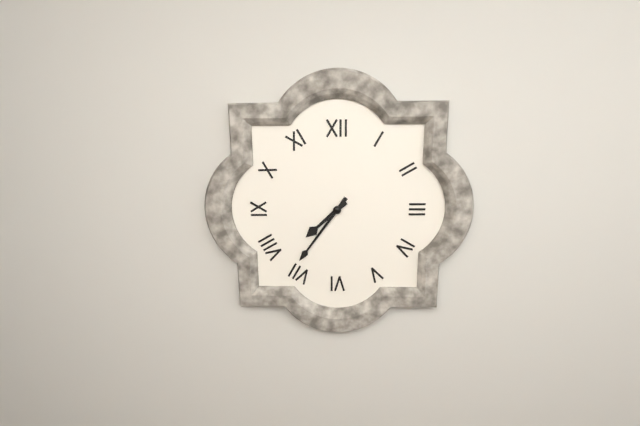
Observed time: 7:36
